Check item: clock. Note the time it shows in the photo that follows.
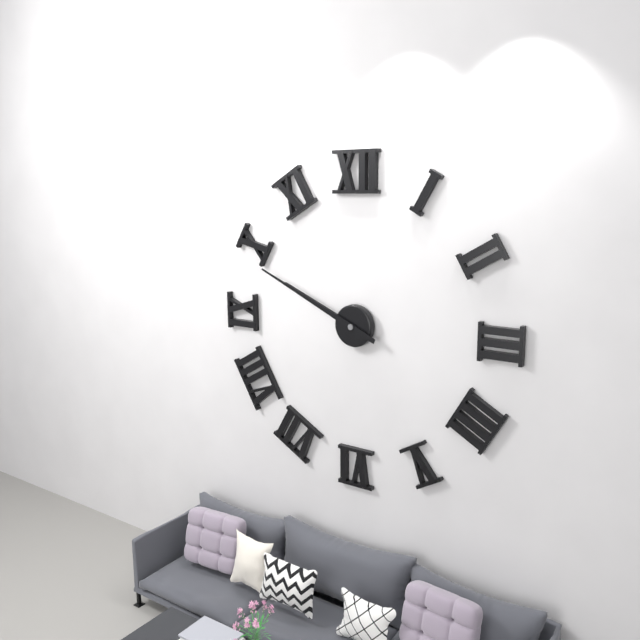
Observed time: 9:49
